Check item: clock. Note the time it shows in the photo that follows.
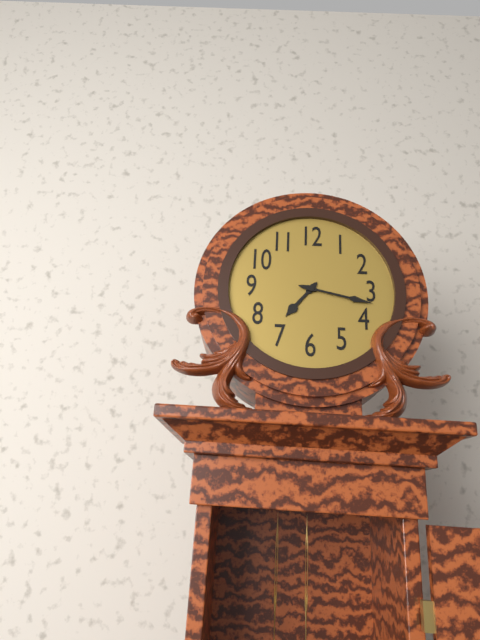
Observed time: 7:17
